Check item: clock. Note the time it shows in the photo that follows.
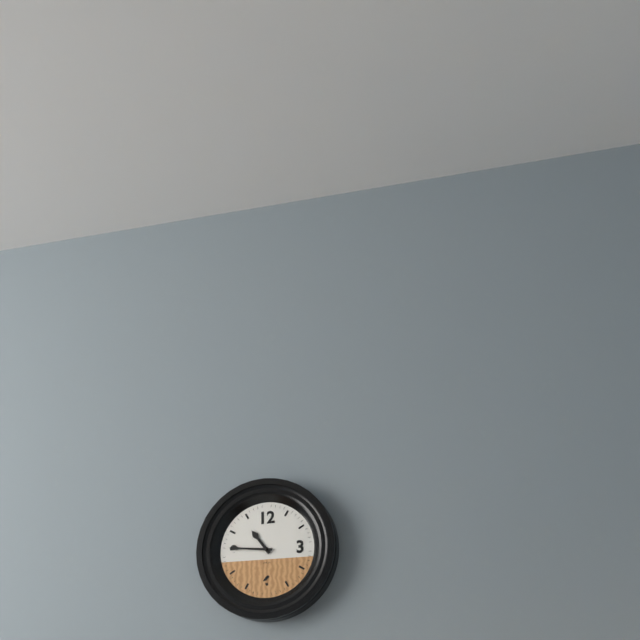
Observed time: 10:46
